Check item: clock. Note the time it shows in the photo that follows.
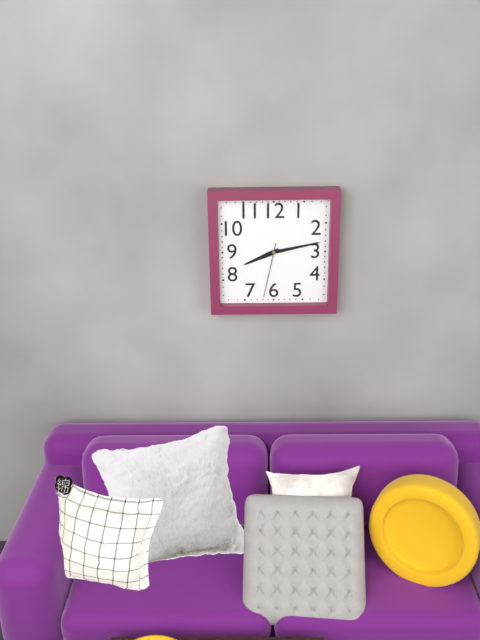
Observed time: 8:13:32
